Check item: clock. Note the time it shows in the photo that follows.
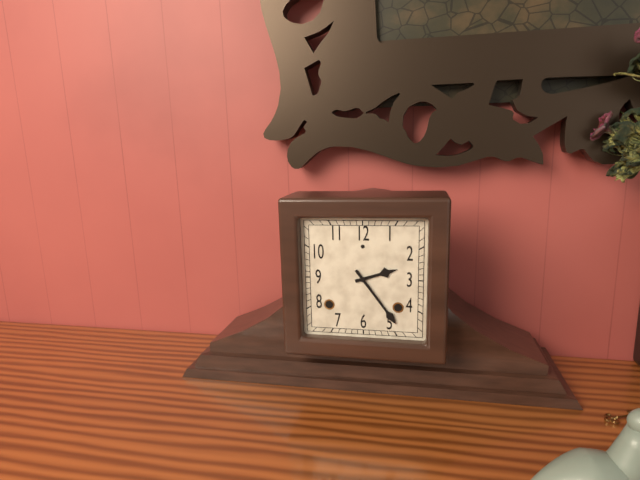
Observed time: 2:24
